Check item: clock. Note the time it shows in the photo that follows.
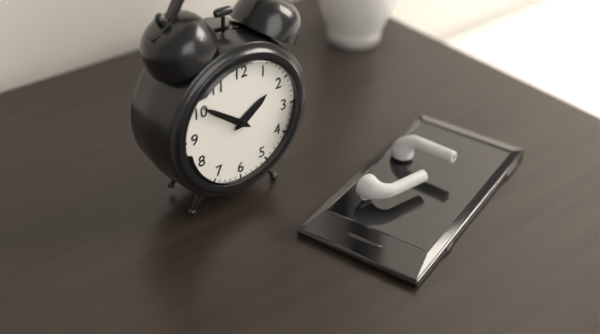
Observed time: 1:51
